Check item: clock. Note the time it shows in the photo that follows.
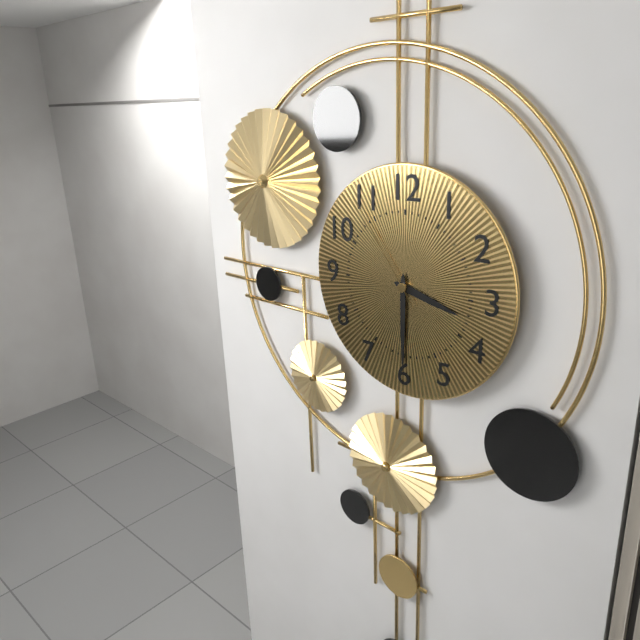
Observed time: 3:30:54
